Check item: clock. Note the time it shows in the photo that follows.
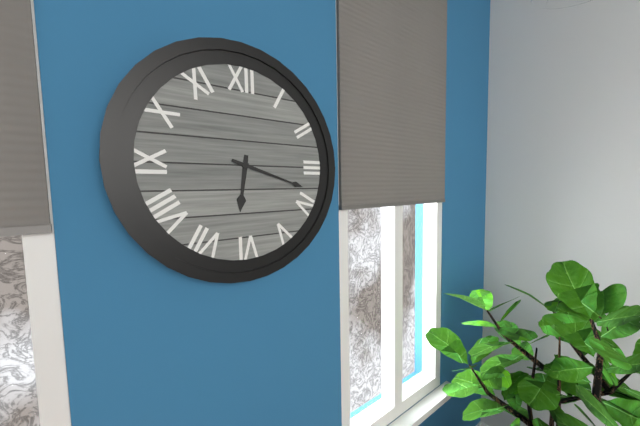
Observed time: 6:18
